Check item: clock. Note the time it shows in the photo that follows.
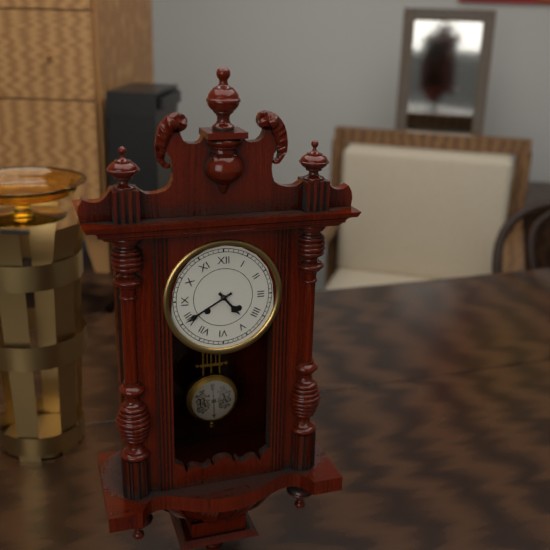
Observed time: 4:40
